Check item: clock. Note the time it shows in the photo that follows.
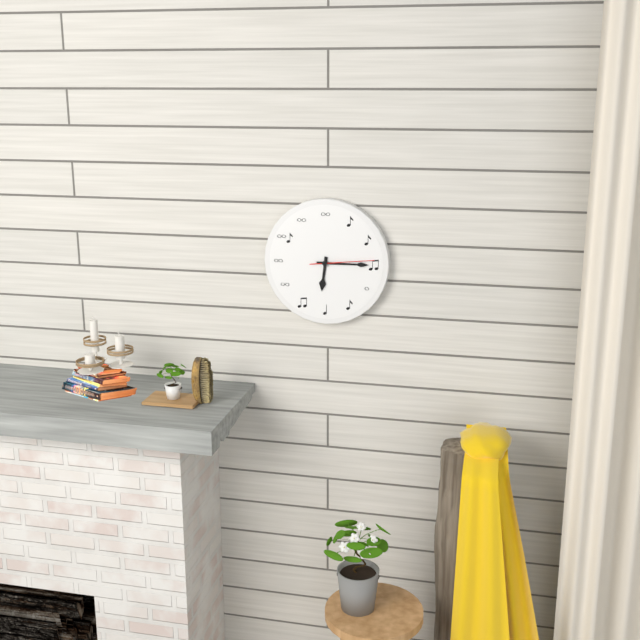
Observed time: 6:15:14
